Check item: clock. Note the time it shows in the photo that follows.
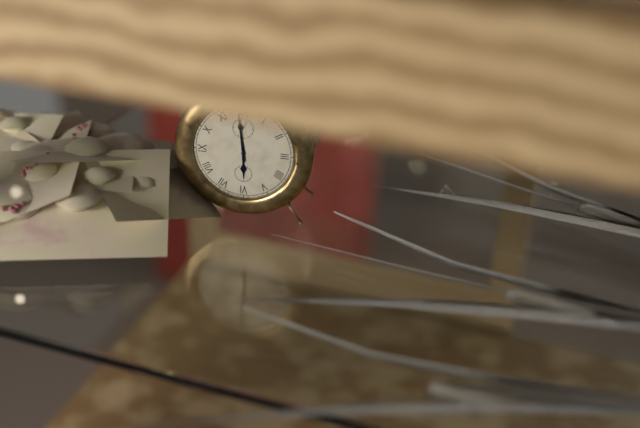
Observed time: 5:59
